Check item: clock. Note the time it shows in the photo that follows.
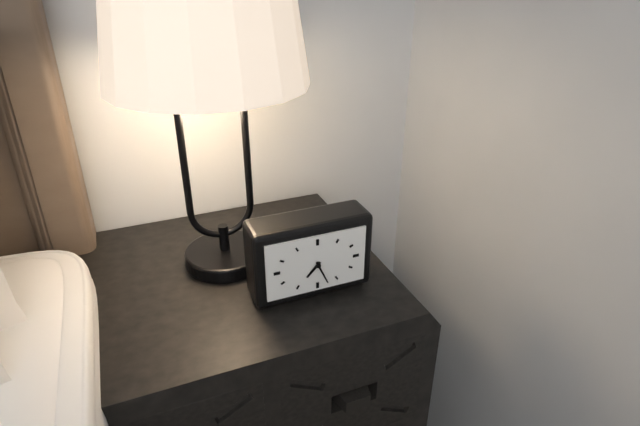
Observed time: 7:26
